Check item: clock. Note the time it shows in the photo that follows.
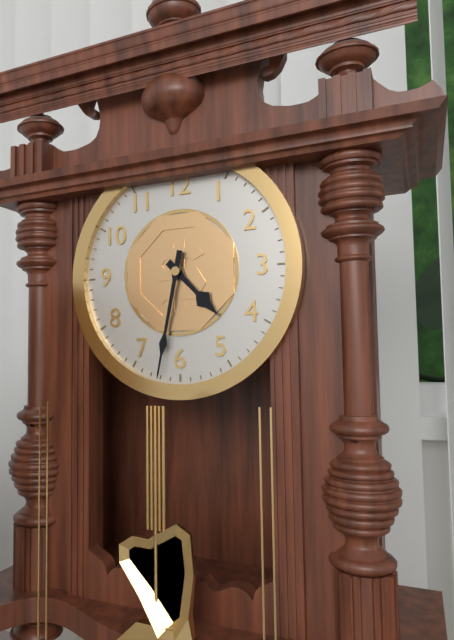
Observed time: 4:32
